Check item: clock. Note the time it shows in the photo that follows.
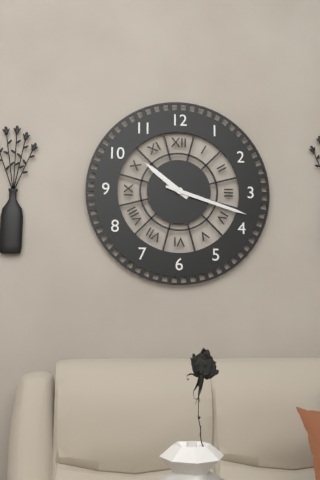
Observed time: 10:18
